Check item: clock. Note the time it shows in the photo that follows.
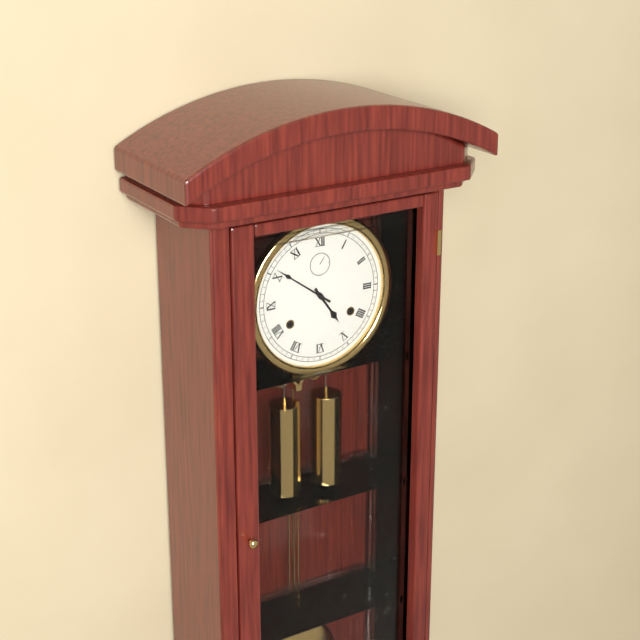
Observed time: 4:51
